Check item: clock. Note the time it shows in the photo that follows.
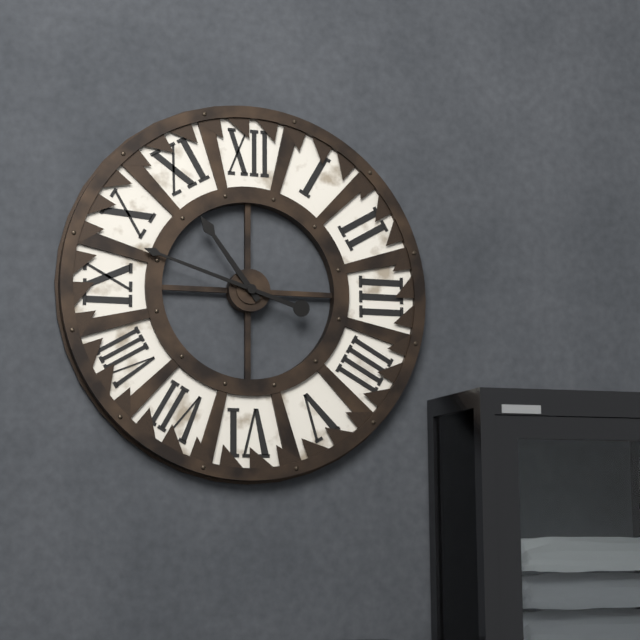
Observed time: 10:48
